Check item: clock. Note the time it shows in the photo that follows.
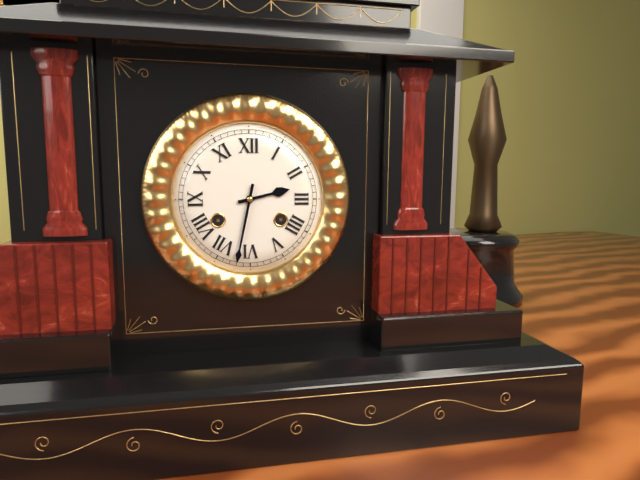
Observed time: 2:32
